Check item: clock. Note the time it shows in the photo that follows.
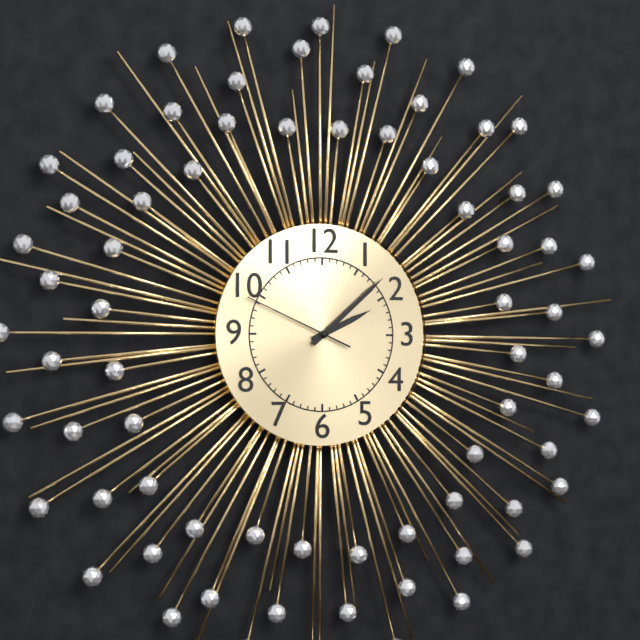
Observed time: 2:08:49
